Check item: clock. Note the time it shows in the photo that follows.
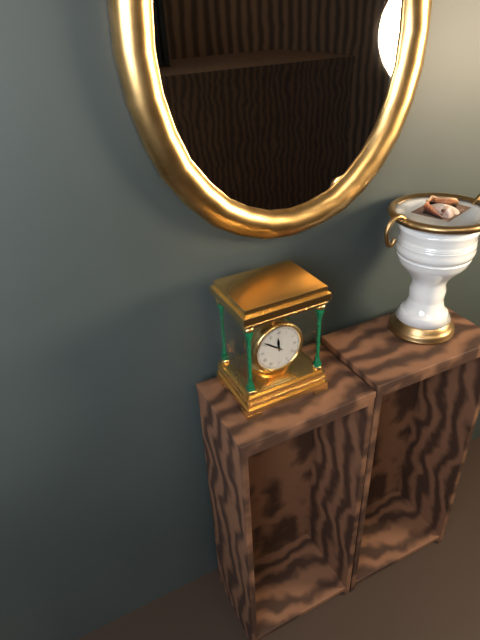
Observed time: 11:51
